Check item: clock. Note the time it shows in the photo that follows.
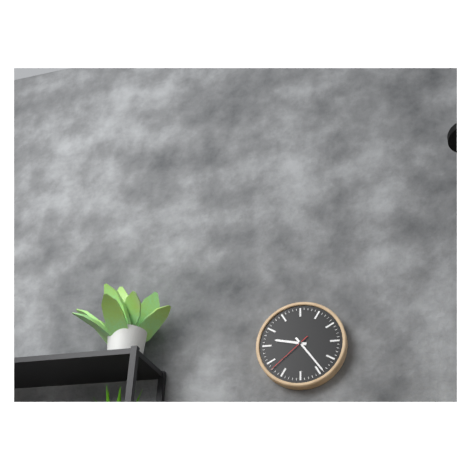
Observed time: 9:24
